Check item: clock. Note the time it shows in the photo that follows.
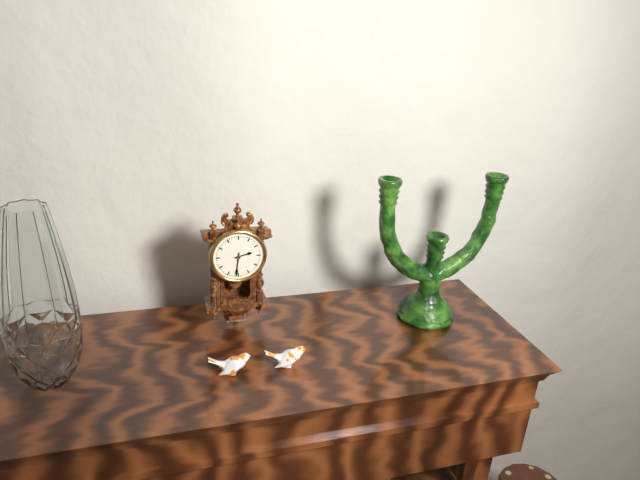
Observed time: 2:31
